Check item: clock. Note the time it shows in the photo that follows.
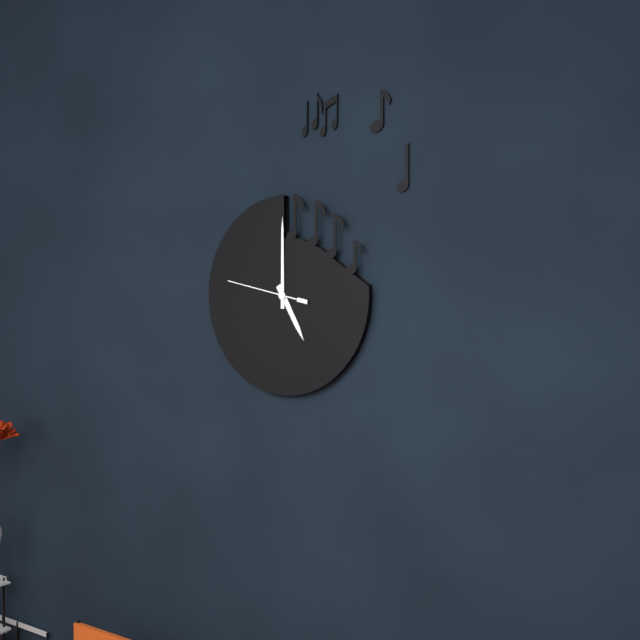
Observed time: 5:00:47
